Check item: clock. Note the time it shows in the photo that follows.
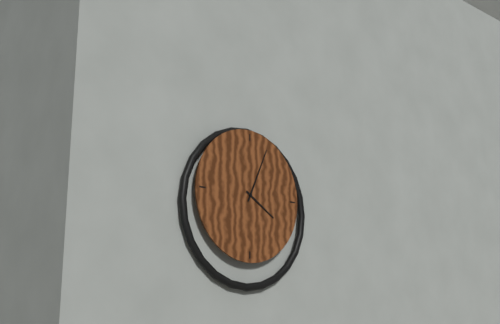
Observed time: 4:04
